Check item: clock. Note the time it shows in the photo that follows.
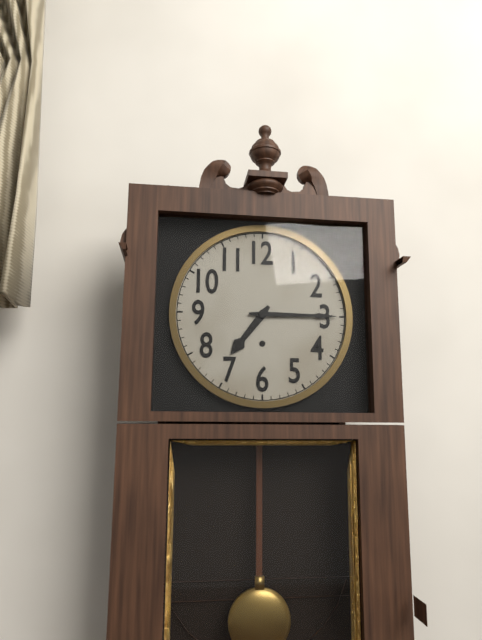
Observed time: 7:15
